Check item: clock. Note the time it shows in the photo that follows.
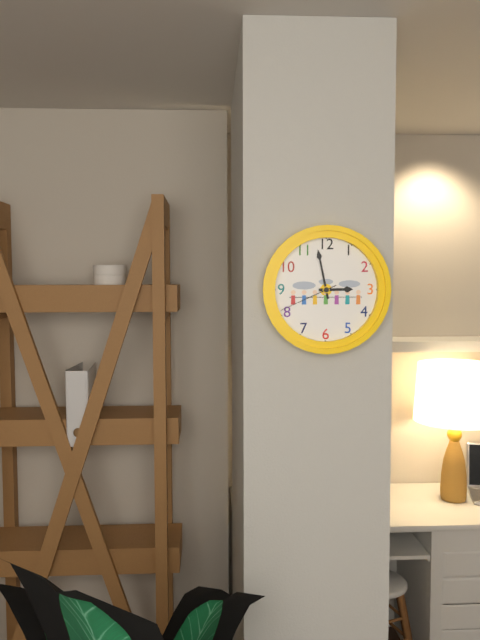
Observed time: 2:58:41
